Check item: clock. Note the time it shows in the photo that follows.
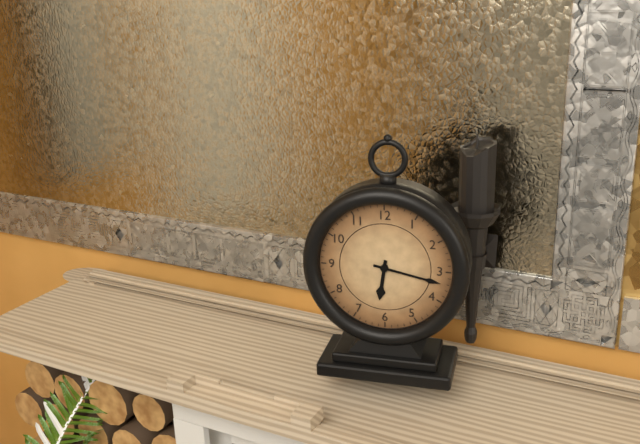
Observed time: 6:17
